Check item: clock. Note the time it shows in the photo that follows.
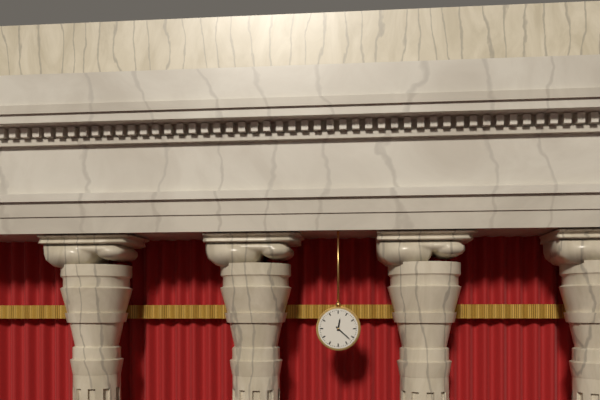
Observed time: 12:22
